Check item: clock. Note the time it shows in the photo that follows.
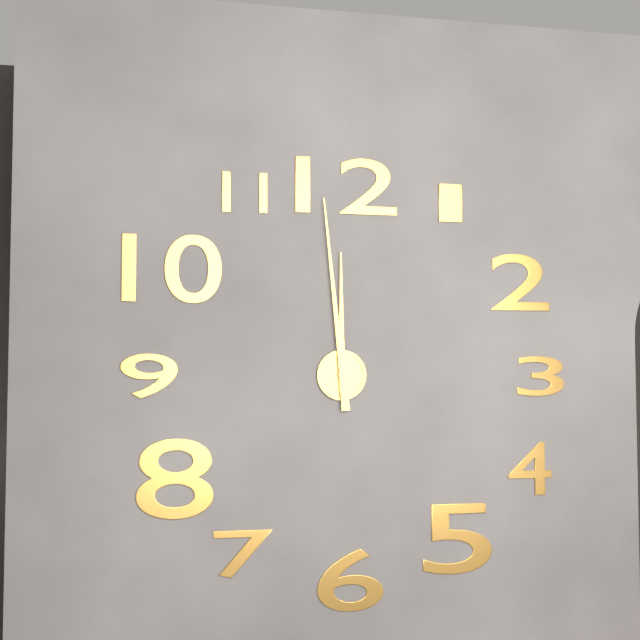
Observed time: 11:59
